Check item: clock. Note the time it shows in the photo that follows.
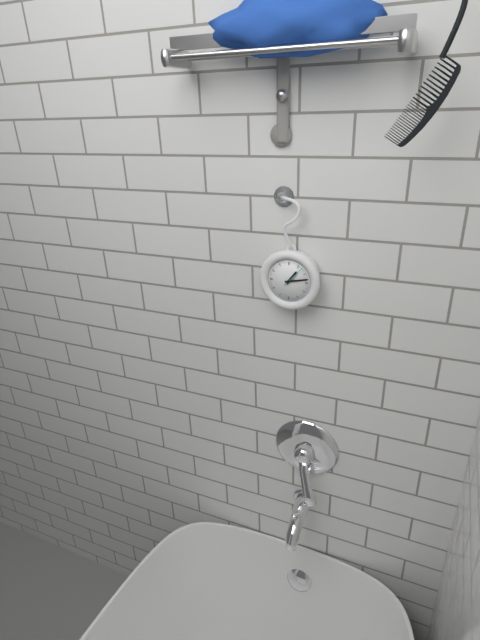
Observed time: 1:13
